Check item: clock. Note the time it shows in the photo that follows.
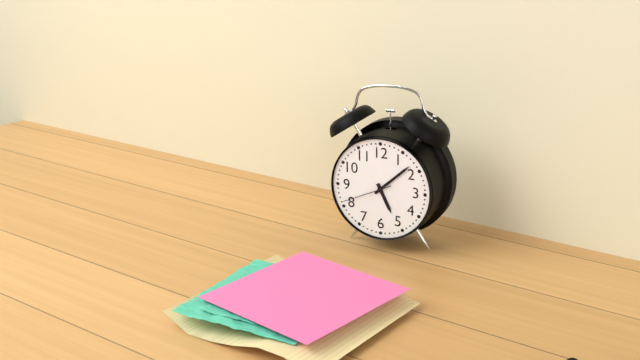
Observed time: 5:08:41
